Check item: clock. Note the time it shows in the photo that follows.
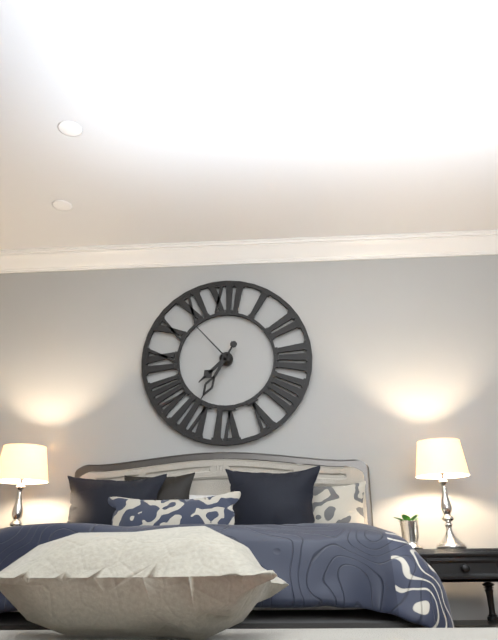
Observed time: 7:35:53
